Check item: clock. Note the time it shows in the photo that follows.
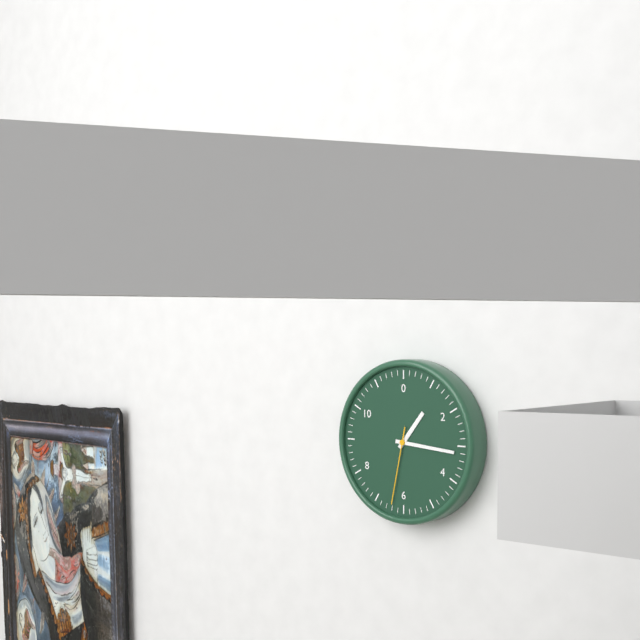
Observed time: 1:16:32
